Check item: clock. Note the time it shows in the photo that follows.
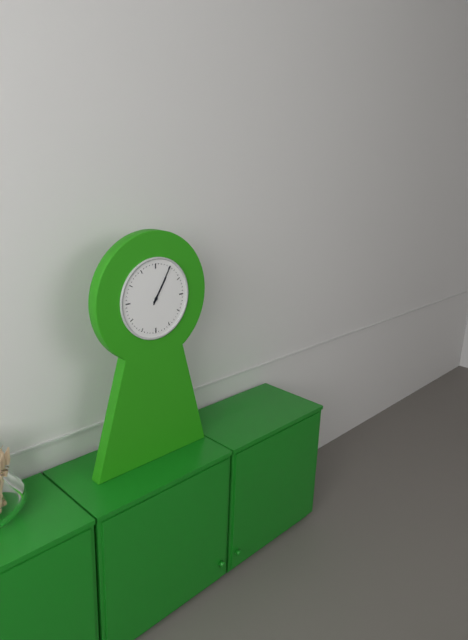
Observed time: 1:05
